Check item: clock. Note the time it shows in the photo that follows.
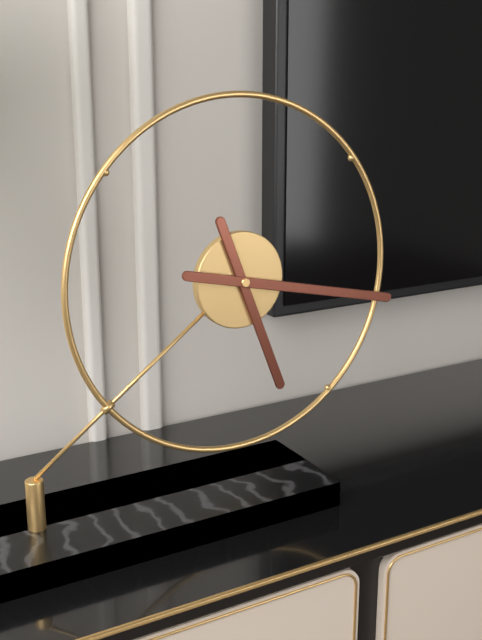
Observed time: 5:17
